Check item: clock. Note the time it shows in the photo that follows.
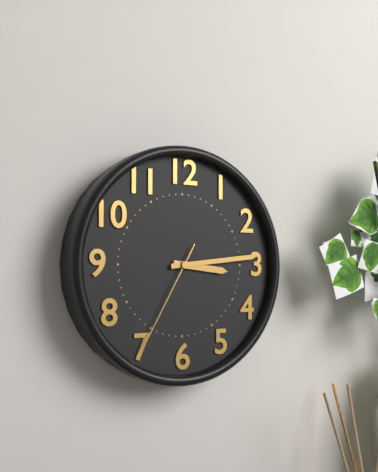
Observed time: 3:14:35
